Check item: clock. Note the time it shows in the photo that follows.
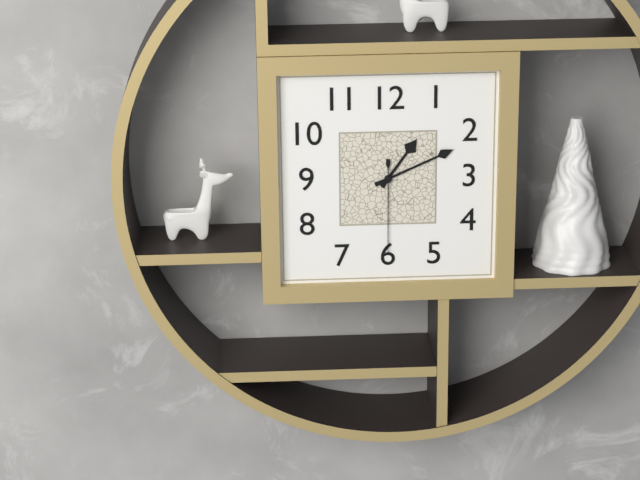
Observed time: 1:11:30
